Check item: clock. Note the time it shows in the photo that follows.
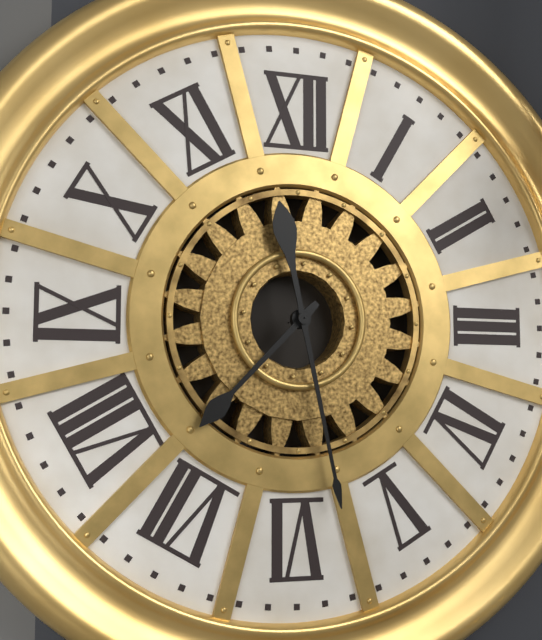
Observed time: 7:28
